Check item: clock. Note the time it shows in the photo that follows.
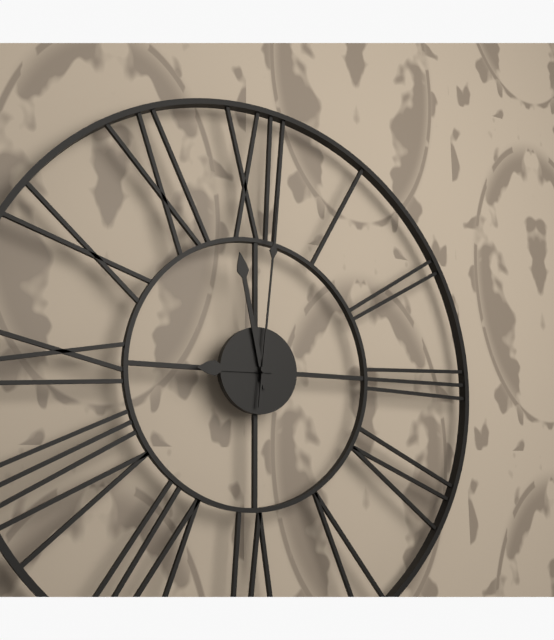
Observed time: 8:58:01
